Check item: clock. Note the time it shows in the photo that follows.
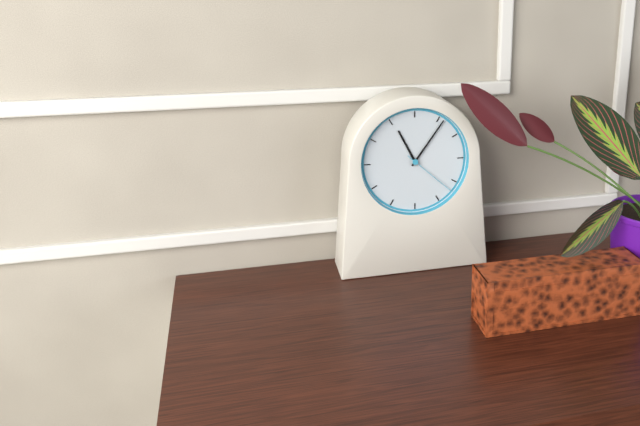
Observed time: 11:06:22
